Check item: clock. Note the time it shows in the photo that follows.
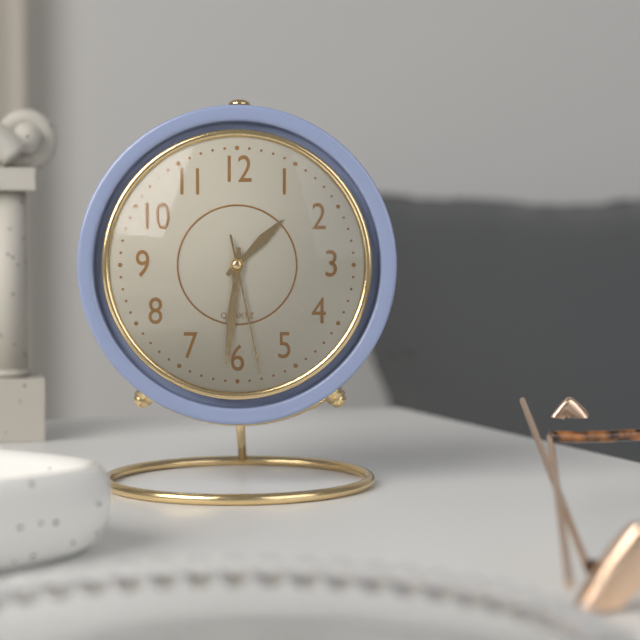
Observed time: 1:31:28
